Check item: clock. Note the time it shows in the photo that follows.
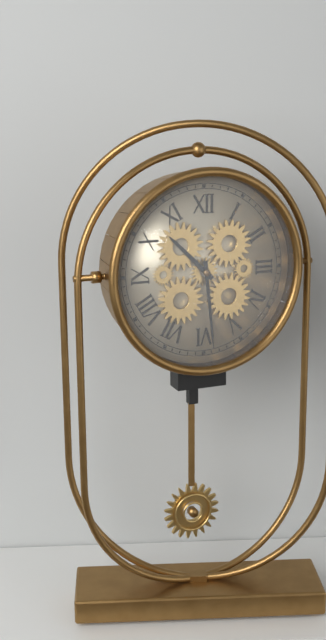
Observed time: 10:29
